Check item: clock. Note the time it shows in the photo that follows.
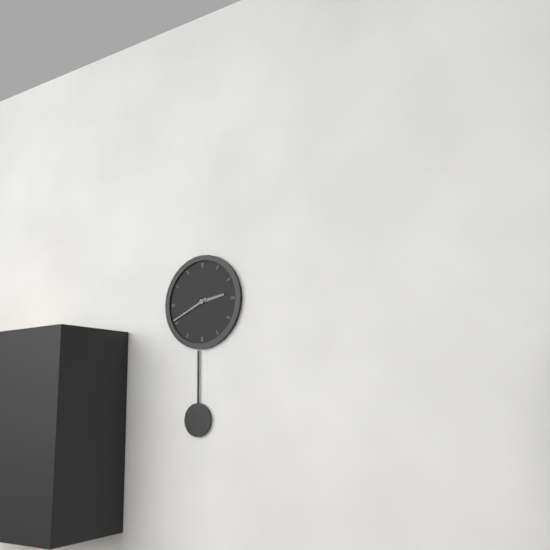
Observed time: 2:41
